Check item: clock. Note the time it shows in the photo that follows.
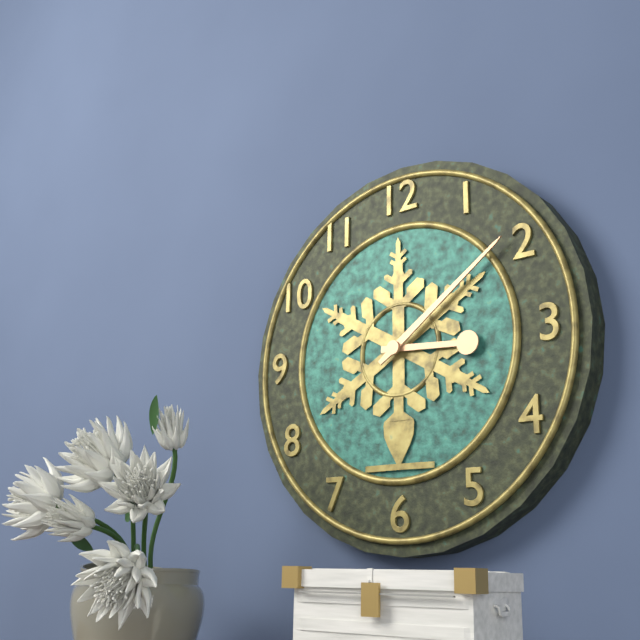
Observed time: 3:09
